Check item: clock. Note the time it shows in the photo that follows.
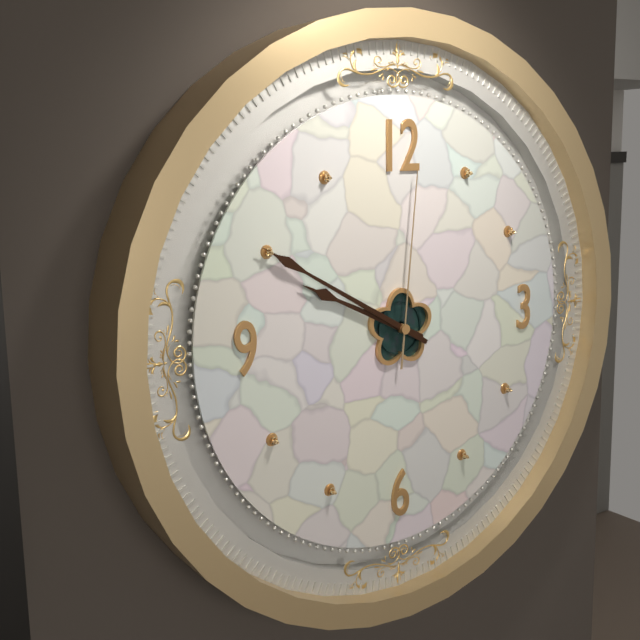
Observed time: 9:50:01
